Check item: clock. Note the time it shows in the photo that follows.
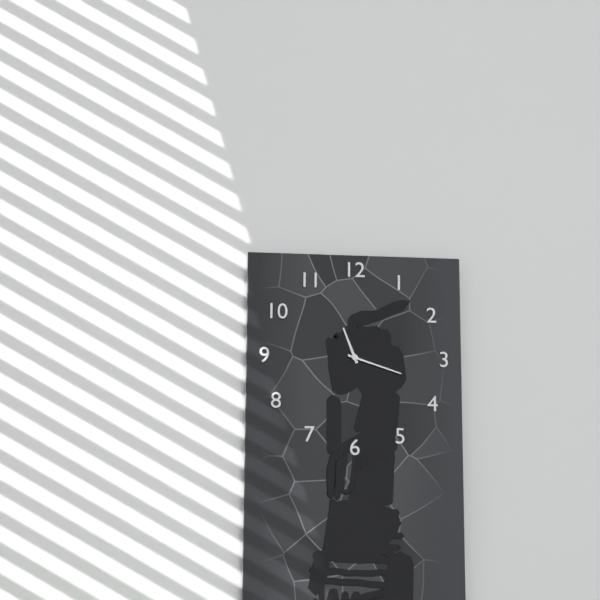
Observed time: 11:18
